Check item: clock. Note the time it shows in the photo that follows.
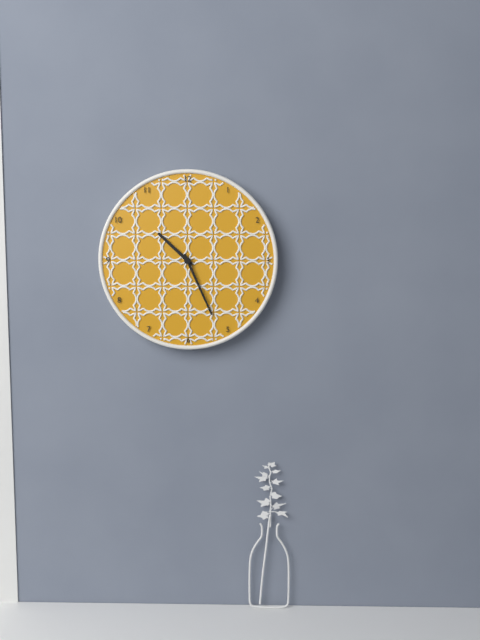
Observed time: 10:26
